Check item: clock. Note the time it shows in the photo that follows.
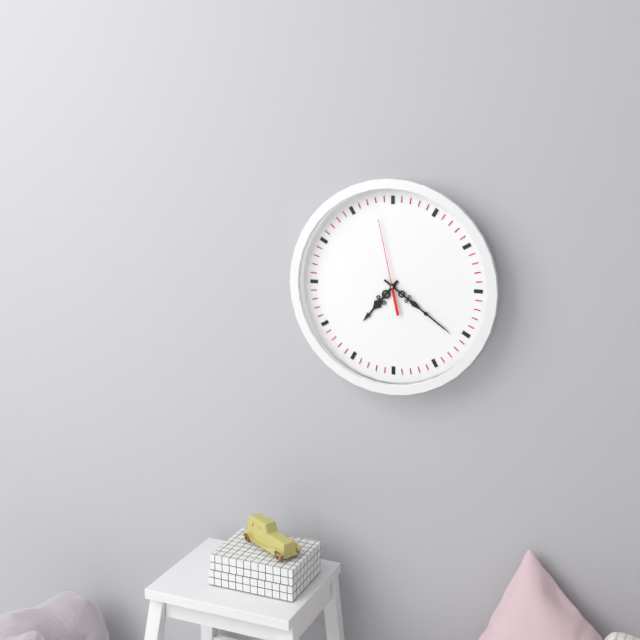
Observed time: 7:21:58
